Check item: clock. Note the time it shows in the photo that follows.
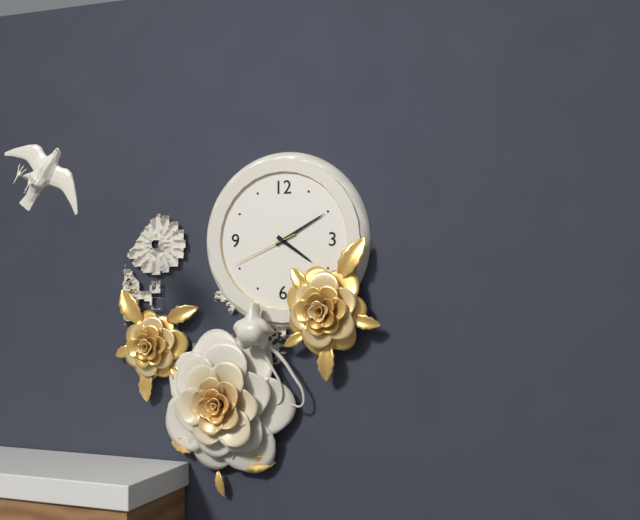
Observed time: 4:10:41
